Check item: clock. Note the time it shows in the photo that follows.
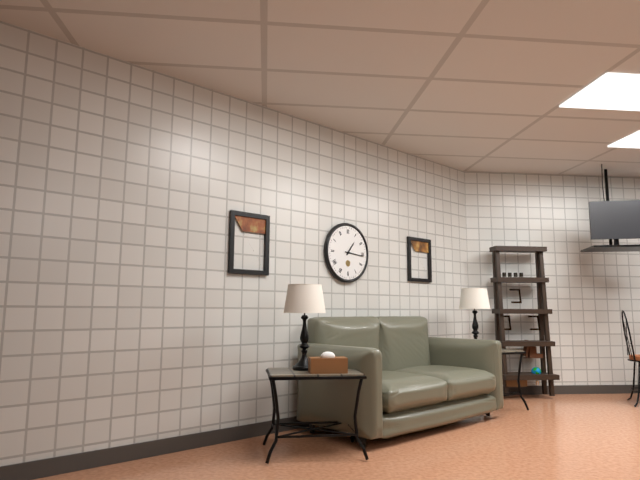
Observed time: 1:16
